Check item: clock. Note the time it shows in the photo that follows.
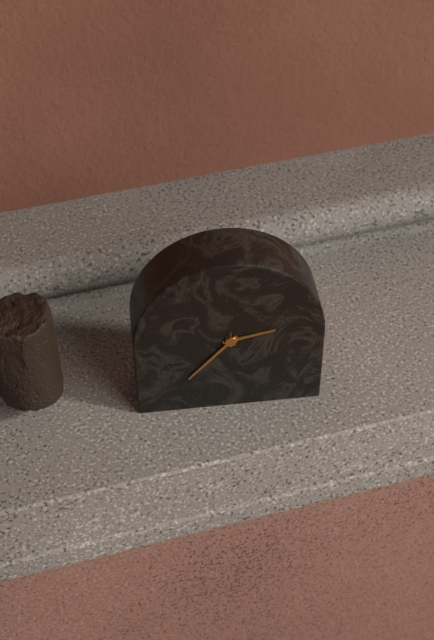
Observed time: 2:37
